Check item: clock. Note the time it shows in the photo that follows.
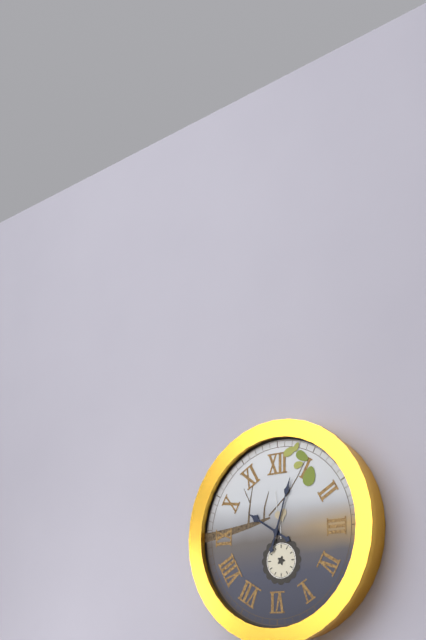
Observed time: 10:03
